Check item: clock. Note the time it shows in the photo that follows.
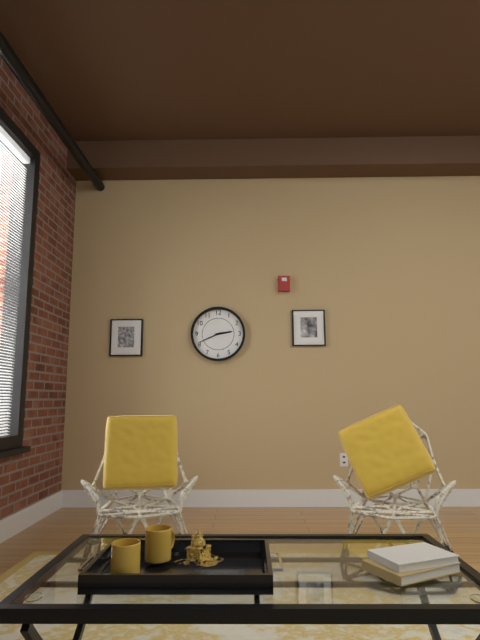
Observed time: 2:41
